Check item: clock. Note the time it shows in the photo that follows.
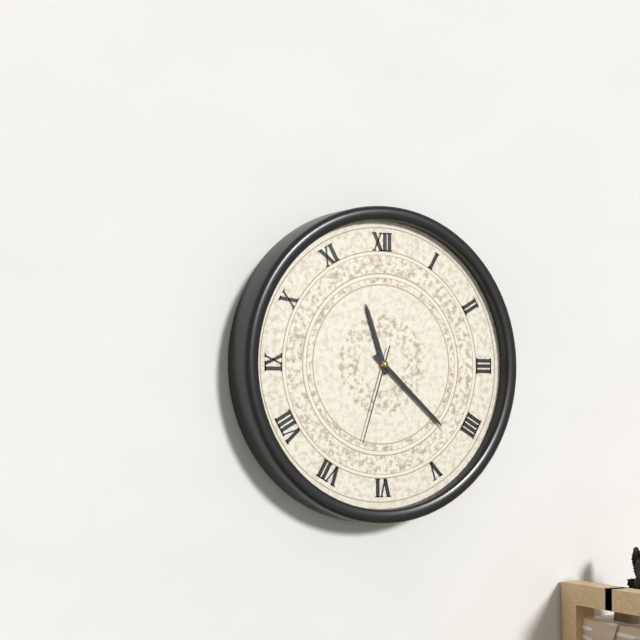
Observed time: 11:22:33
